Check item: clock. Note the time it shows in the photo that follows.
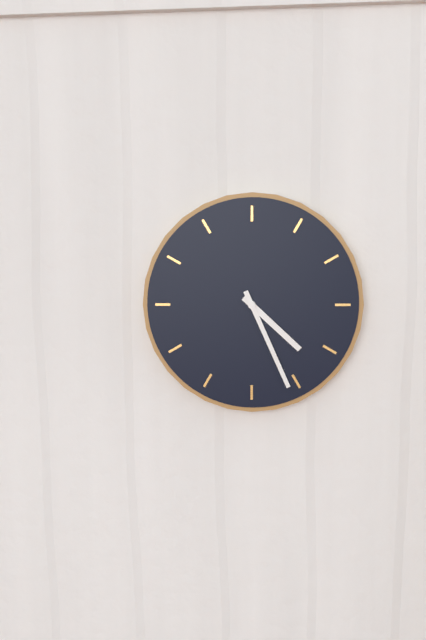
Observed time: 4:26
